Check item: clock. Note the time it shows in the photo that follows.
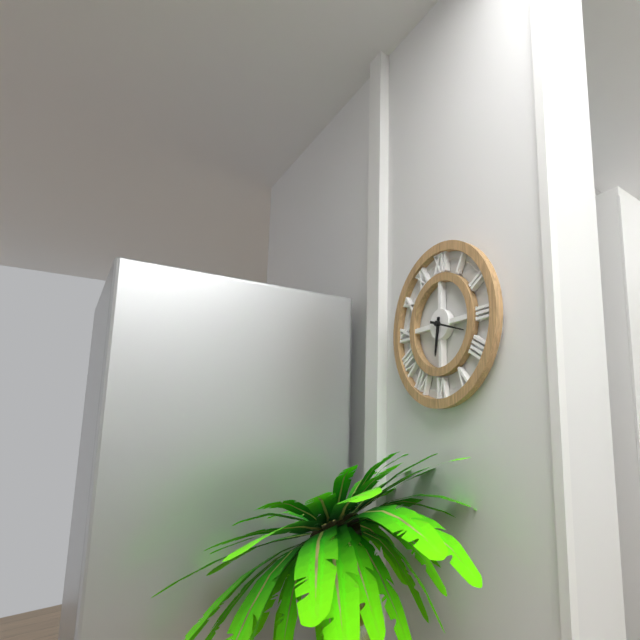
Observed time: 6:18
